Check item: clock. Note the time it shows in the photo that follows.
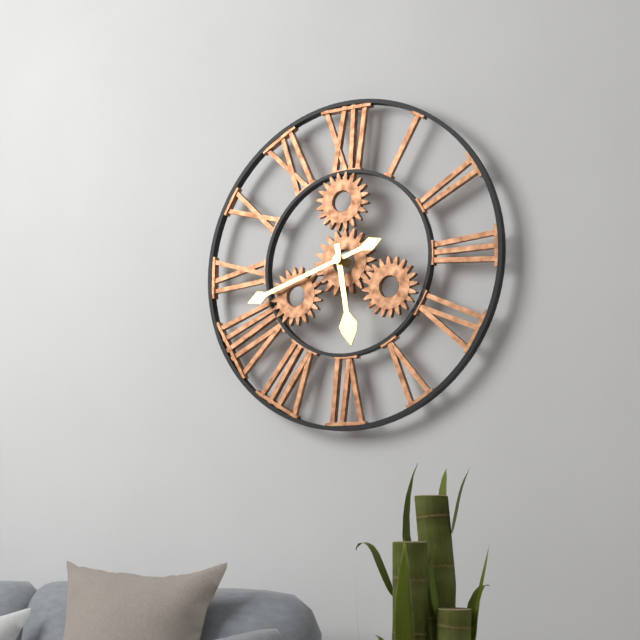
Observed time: 5:42
